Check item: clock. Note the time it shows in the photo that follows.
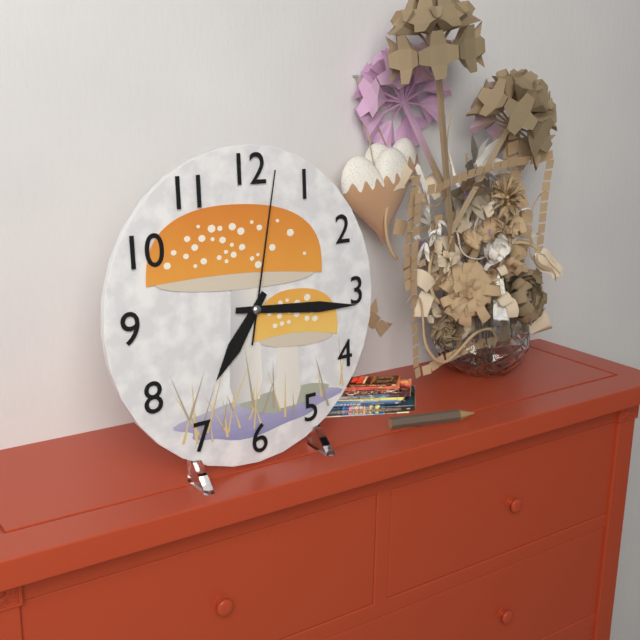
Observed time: 7:16:02
